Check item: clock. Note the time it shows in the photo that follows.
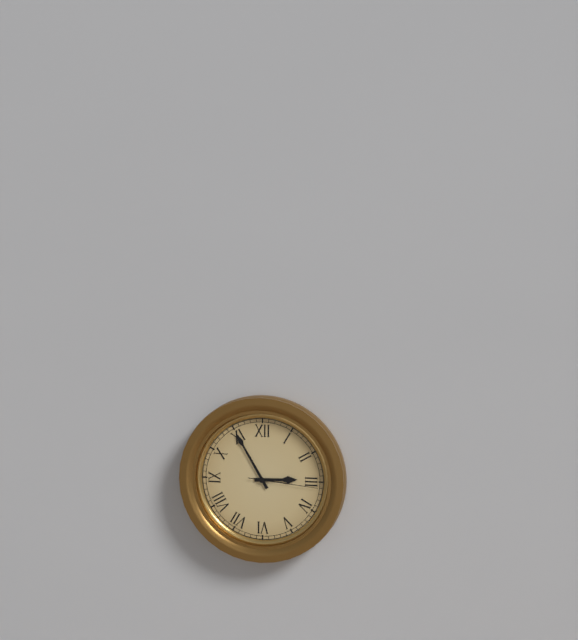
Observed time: 2:55:16
